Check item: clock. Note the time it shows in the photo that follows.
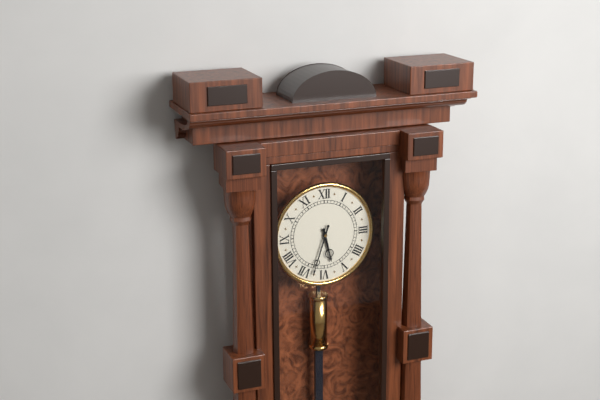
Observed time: 5:33
